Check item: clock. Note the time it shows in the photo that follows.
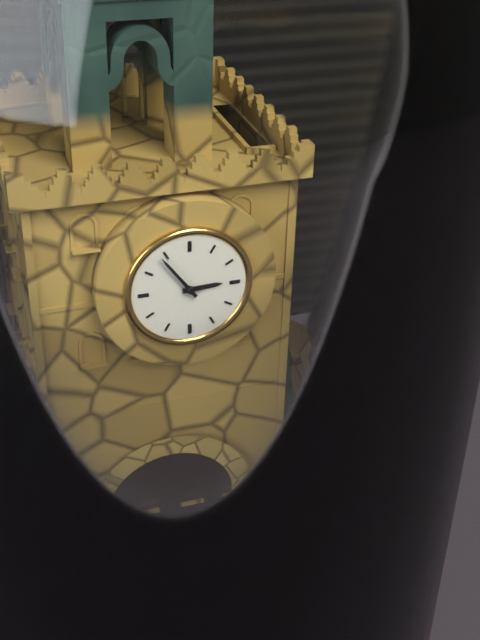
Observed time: 2:54
